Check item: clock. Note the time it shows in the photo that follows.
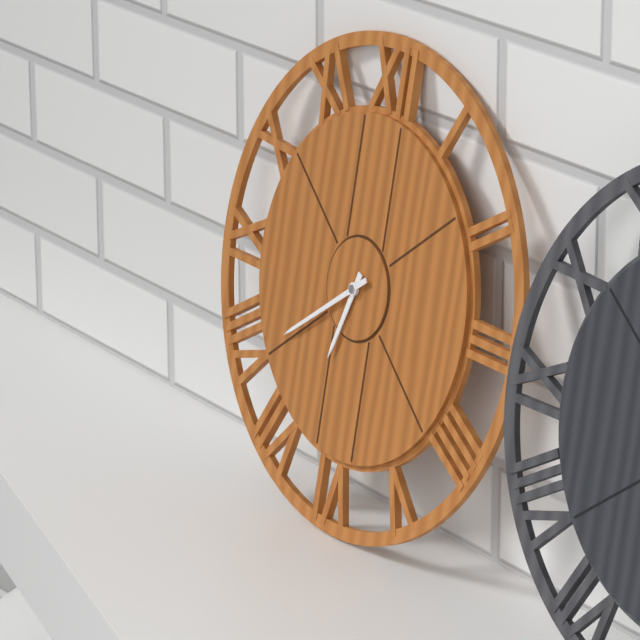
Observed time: 6:39
